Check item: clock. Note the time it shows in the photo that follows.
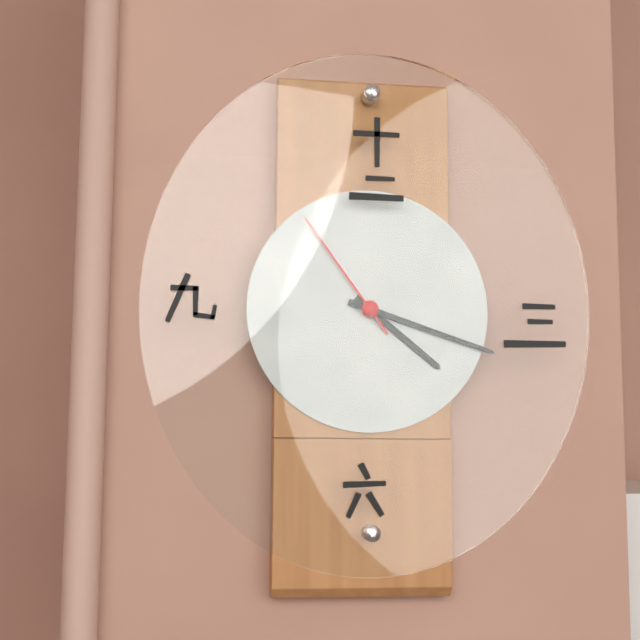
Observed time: 4:18:54
